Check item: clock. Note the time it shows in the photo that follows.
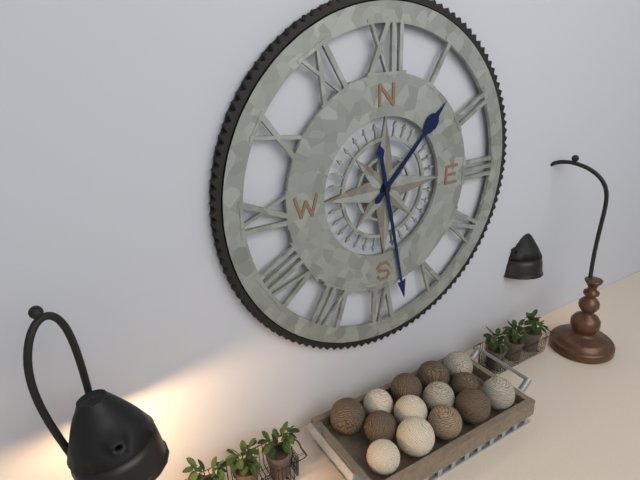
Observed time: 1:28
